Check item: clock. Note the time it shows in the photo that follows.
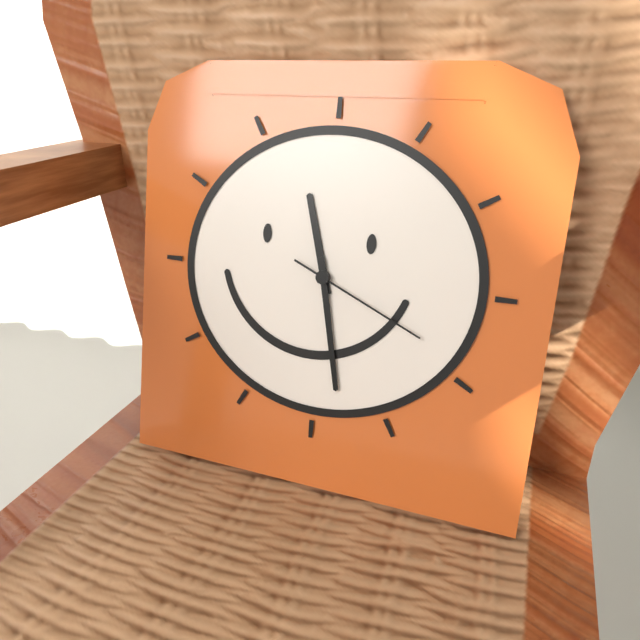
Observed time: 11:28:19
